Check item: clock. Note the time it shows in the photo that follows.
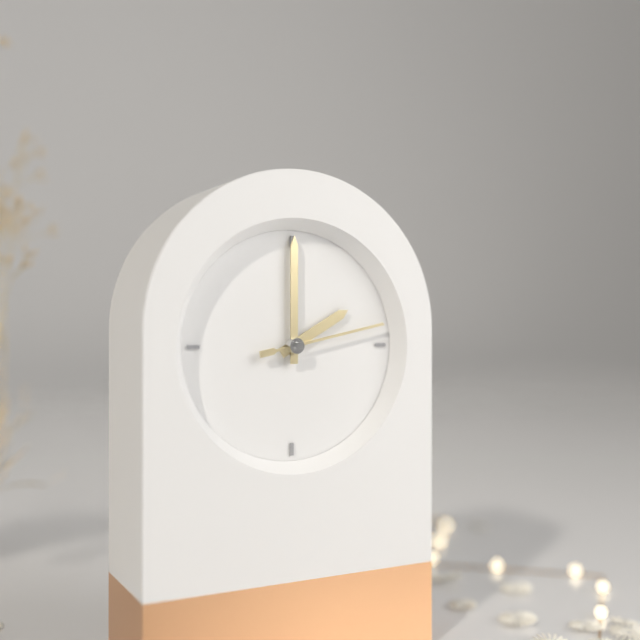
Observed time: 2:00:13
